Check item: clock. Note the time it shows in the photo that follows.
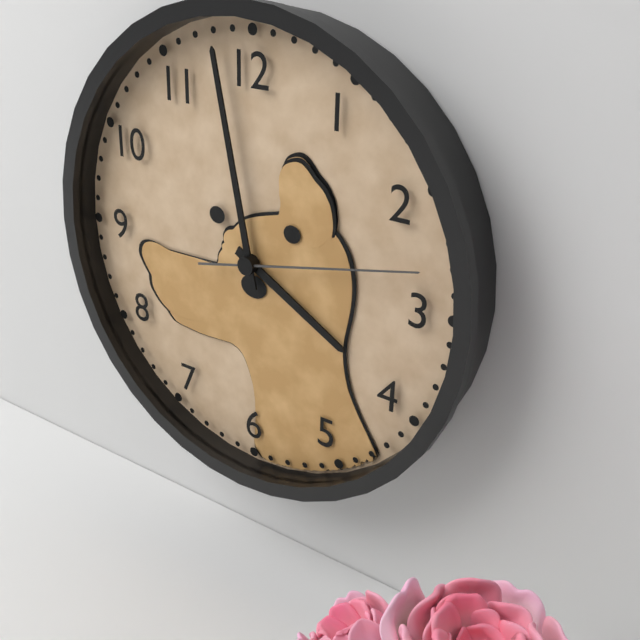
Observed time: 3:58:13
